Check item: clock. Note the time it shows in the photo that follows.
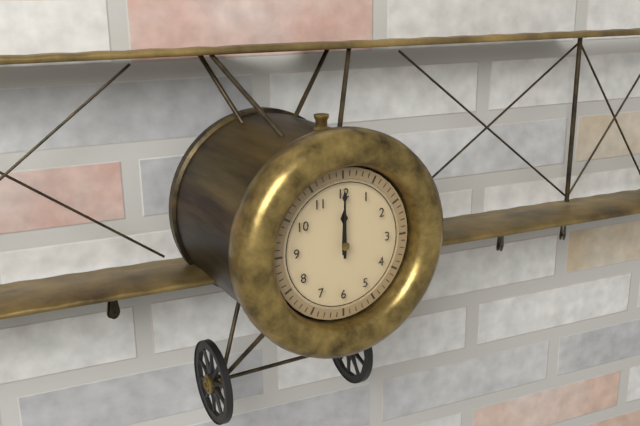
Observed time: 12:00
